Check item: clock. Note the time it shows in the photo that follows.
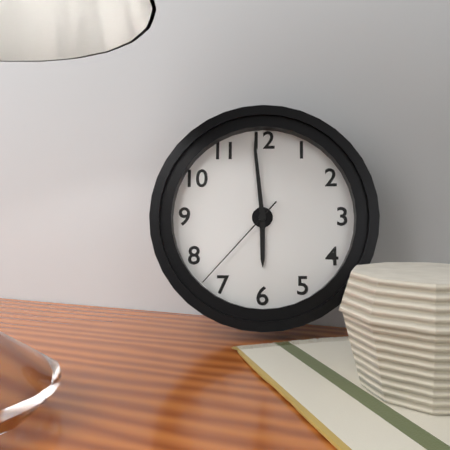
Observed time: 5:59:37
